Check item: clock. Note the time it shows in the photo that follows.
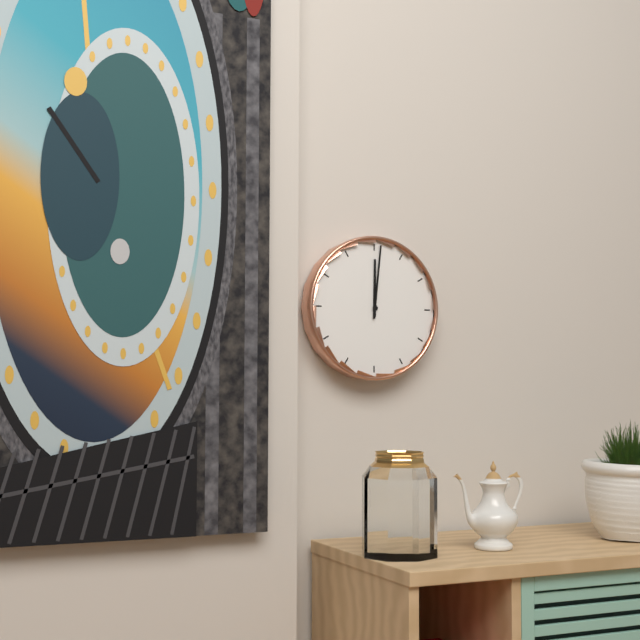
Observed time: 12:01
